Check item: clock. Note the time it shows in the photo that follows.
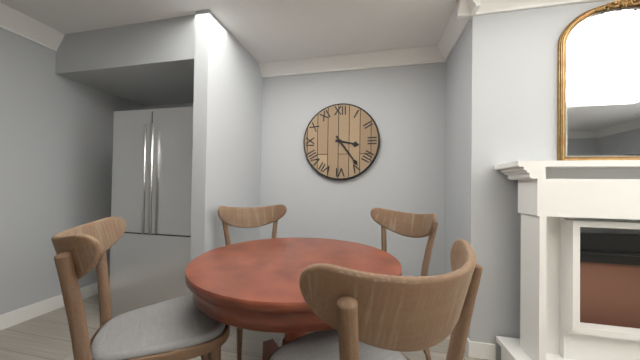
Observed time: 3:24
